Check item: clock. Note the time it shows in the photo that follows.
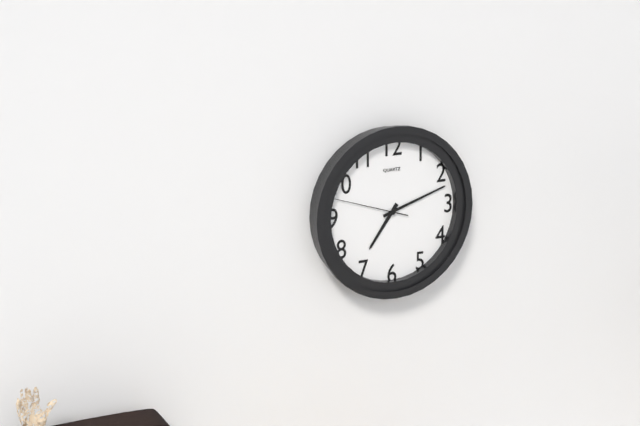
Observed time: 7:12:48
